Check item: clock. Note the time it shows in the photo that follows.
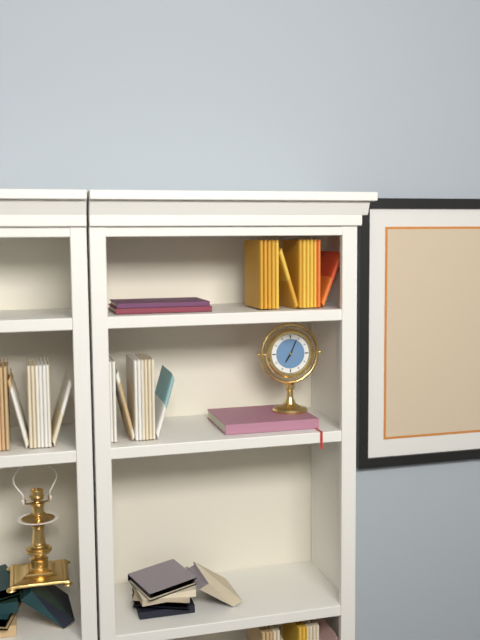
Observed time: 7:04
